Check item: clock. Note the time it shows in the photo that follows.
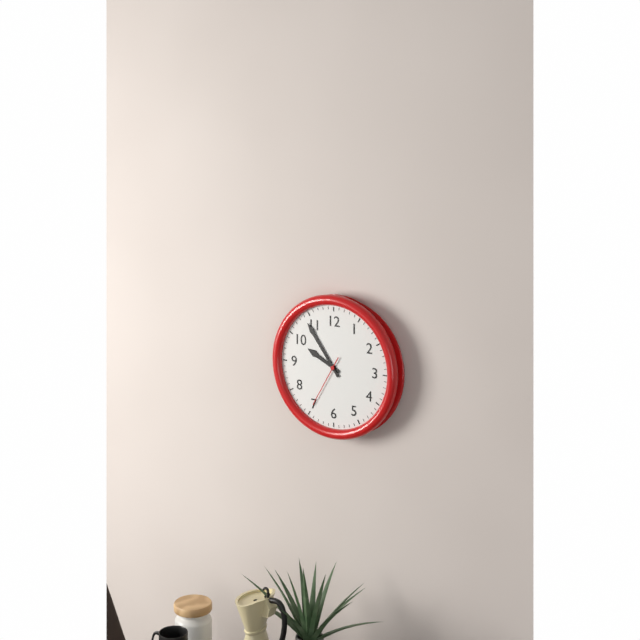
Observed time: 9:54:35
